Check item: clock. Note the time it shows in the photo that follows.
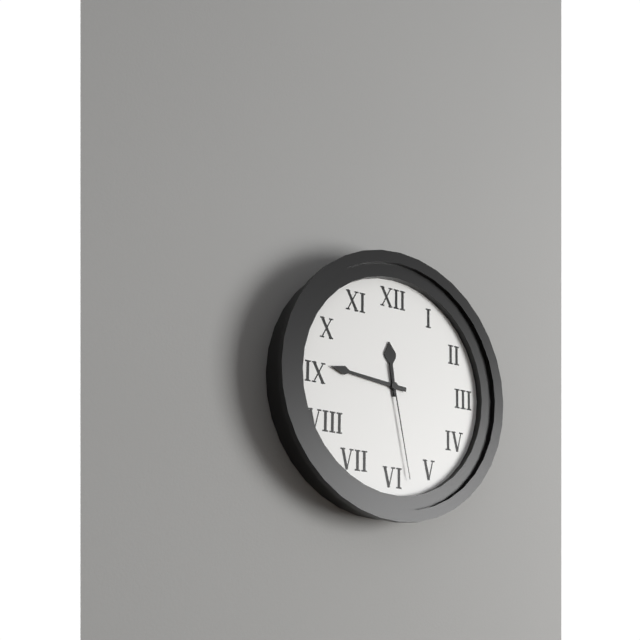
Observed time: 11:46:28
